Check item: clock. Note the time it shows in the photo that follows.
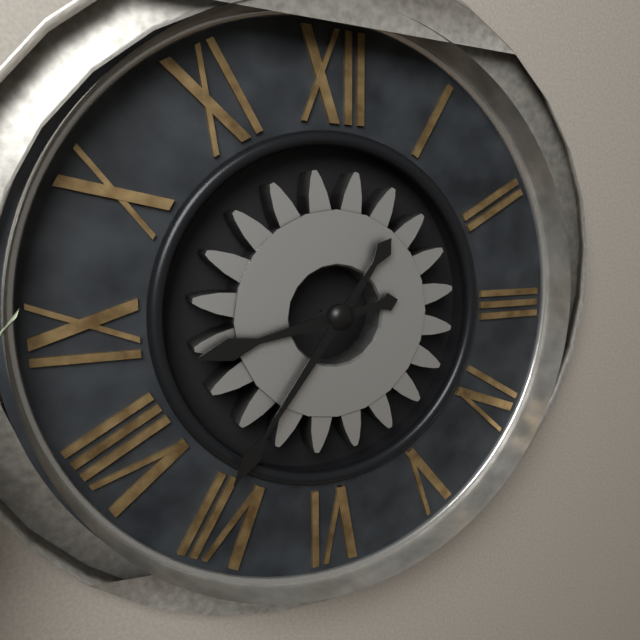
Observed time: 8:36
